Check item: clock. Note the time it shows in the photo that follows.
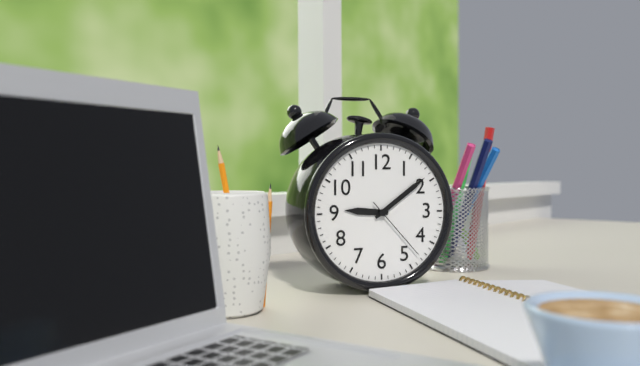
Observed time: 9:09:23
